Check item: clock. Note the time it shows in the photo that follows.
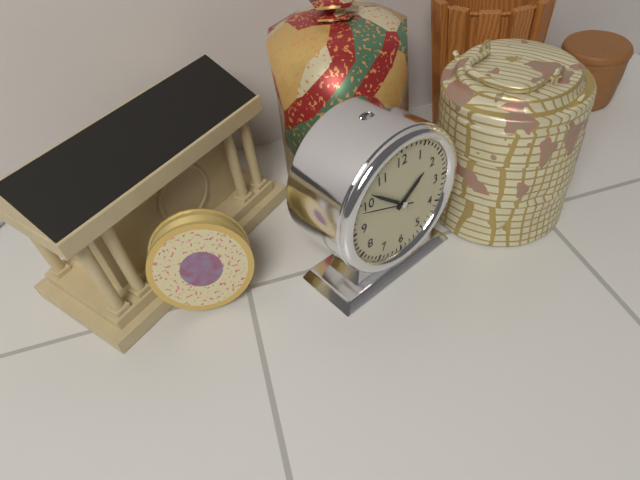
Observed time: 1:52:49
